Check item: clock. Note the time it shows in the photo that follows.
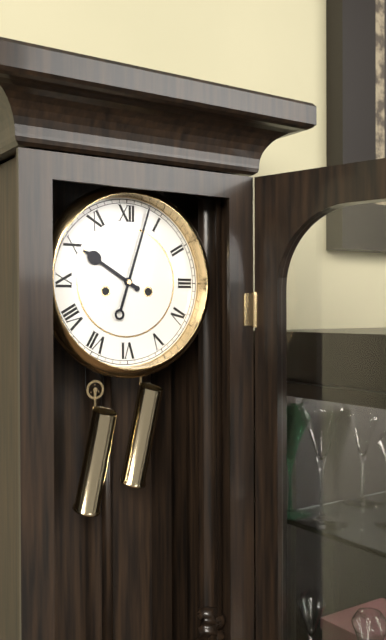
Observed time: 10:03
